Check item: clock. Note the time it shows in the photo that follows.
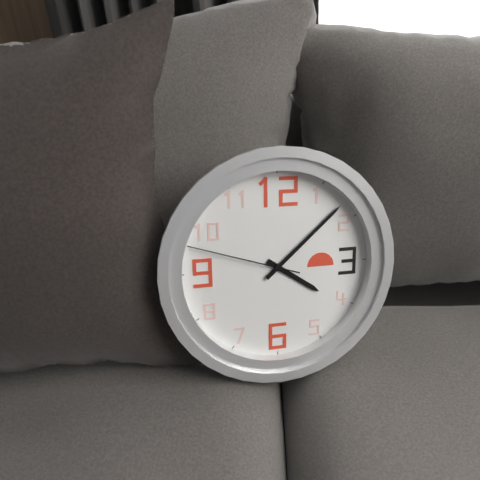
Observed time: 4:08:48
